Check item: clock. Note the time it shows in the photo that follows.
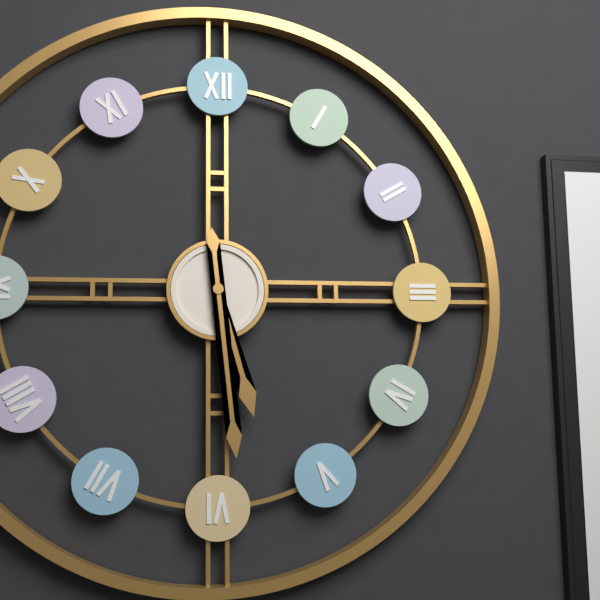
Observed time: 5:29
